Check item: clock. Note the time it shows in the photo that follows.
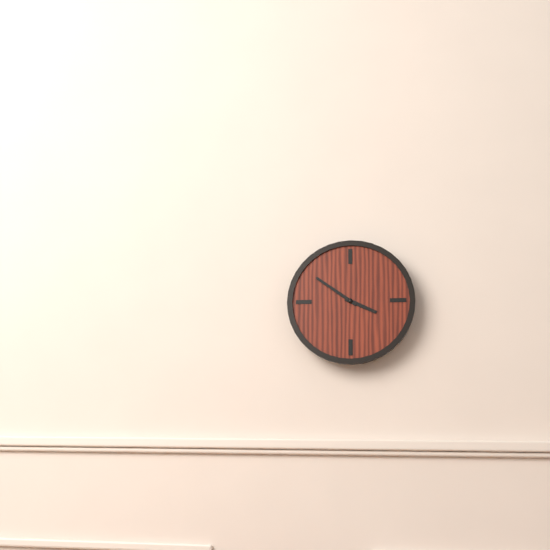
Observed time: 3:51
